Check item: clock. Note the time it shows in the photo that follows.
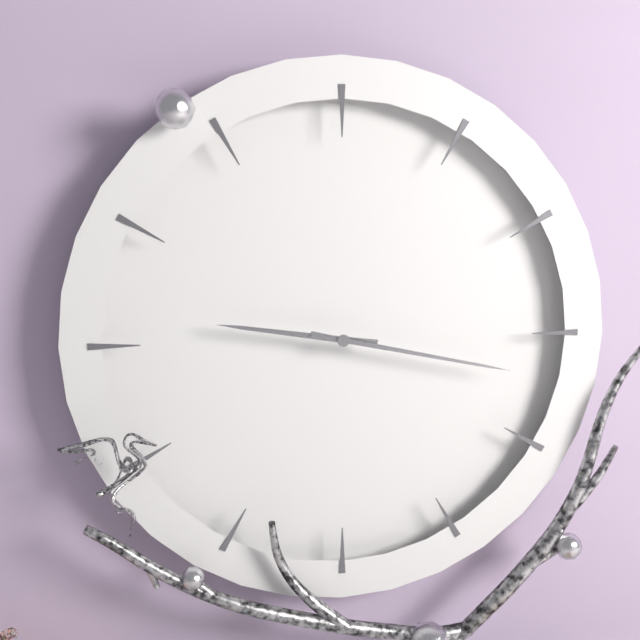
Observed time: 9:17
